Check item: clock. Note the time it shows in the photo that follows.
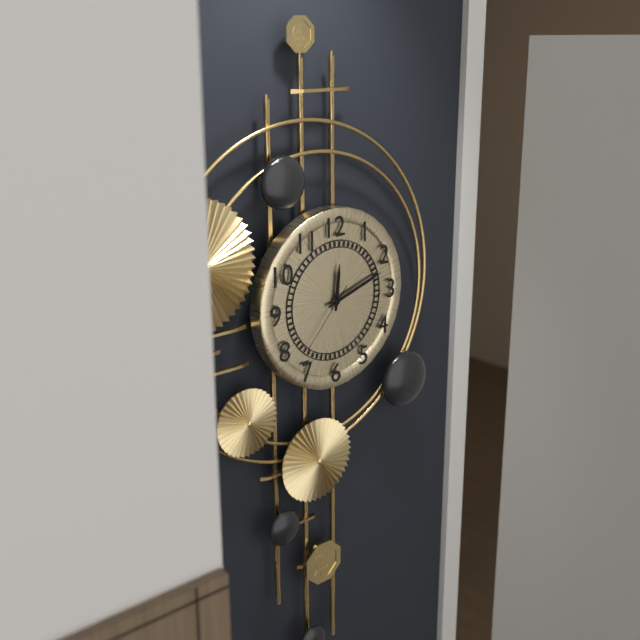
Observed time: 12:12:37
